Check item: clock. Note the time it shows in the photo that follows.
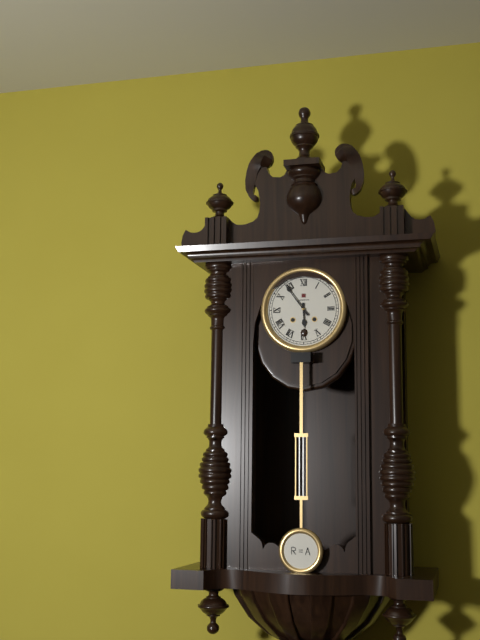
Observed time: 5:54
